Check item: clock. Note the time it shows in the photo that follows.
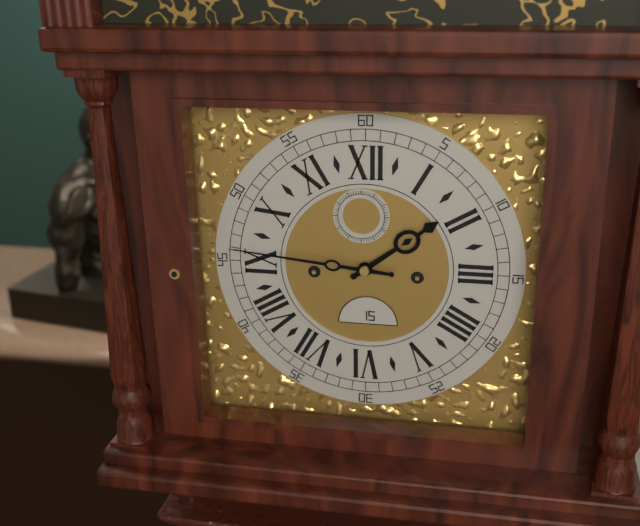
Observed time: 1:46
